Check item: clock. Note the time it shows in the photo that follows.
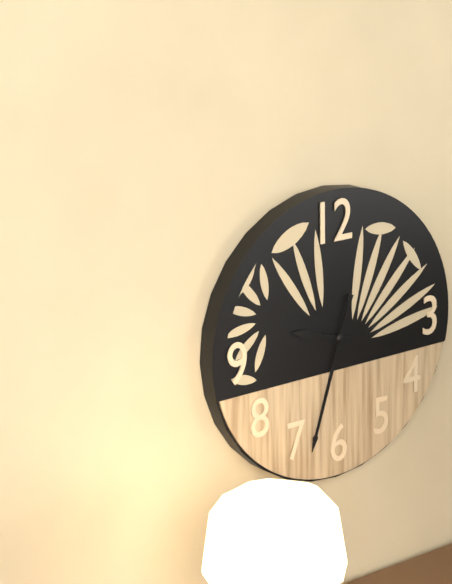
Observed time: 9:33
